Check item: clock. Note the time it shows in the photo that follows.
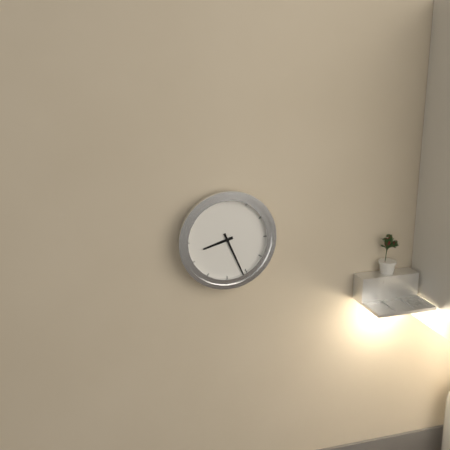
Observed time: 8:26
